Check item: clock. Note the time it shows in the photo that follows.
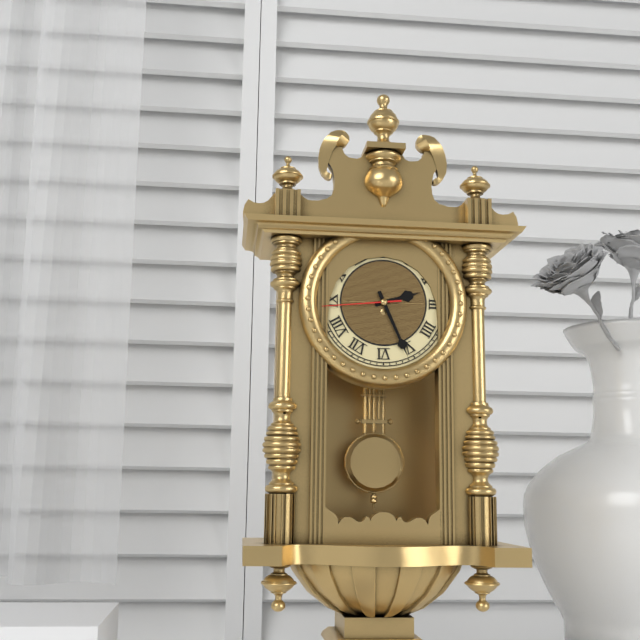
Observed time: 2:26:44
